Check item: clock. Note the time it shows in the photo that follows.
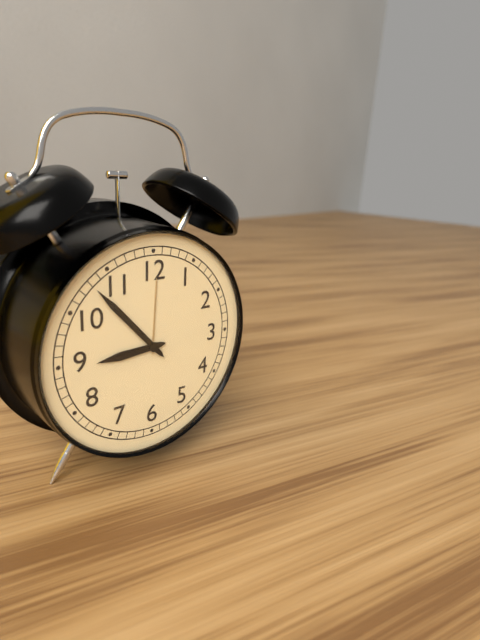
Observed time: 8:53
